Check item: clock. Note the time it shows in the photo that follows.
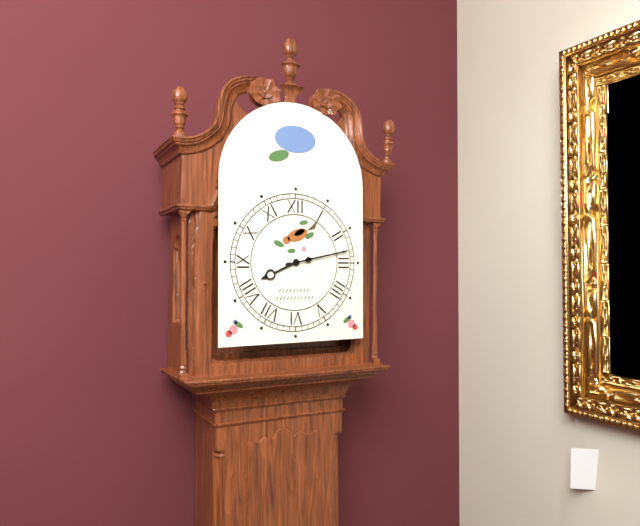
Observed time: 8:13
